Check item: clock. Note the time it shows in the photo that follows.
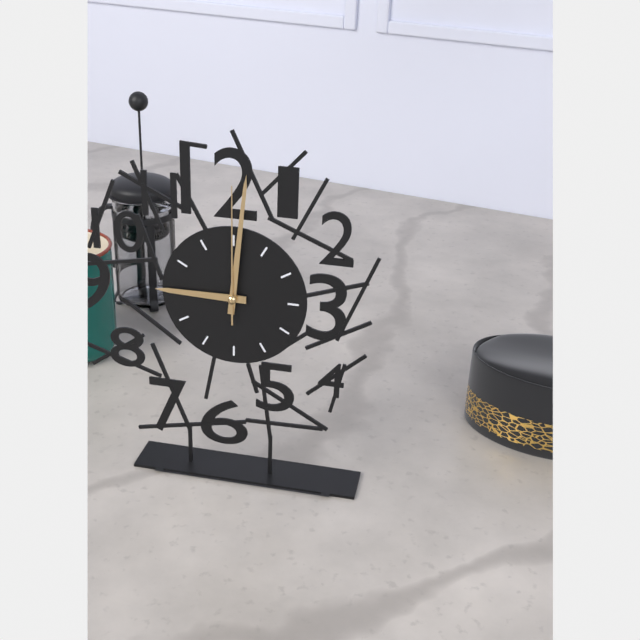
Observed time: 9:01:00
